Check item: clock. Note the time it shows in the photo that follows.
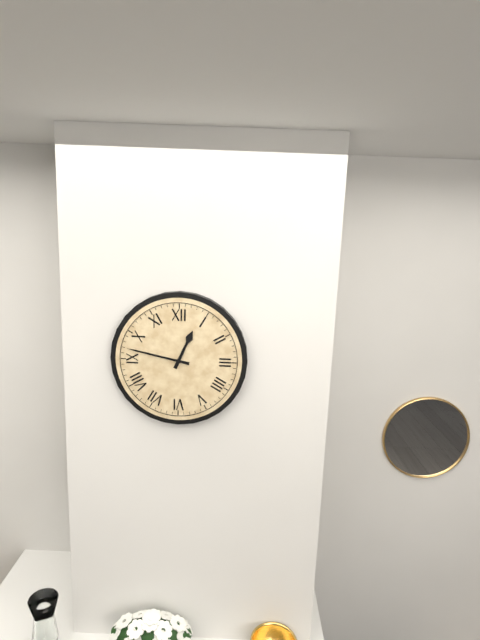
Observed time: 12:47
